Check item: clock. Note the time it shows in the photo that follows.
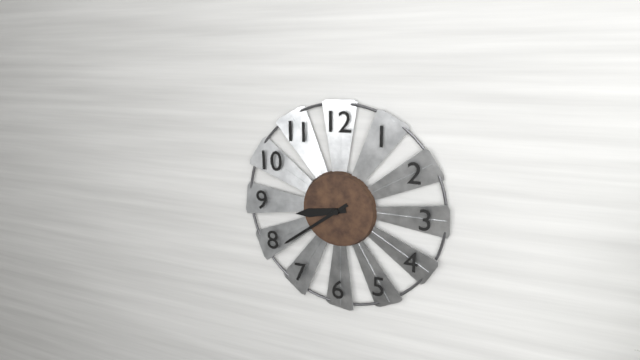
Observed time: 8:39
